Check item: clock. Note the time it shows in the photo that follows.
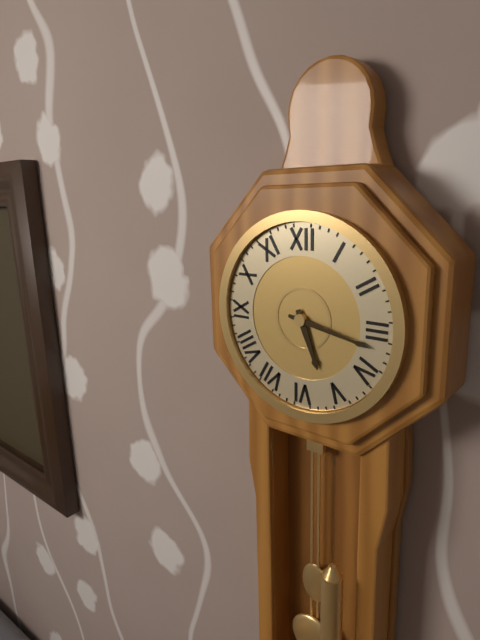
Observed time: 5:17
